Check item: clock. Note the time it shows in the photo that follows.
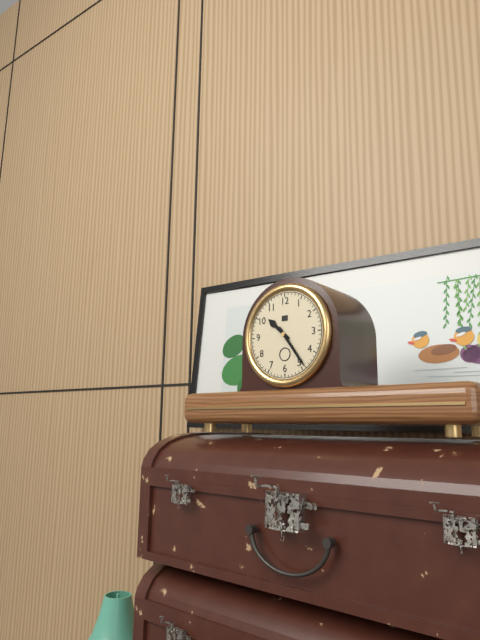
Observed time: 10:24
